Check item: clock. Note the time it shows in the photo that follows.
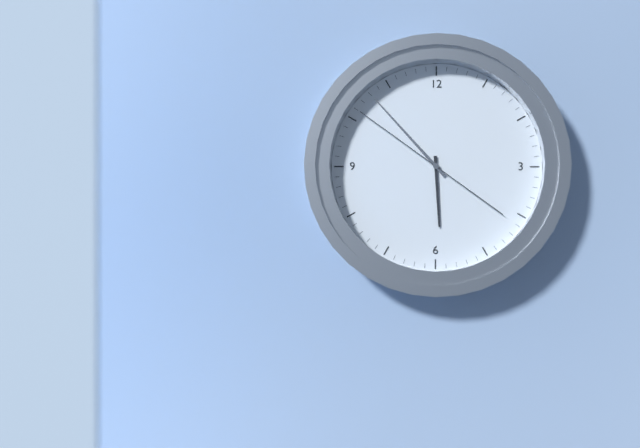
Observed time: 5:53:51
